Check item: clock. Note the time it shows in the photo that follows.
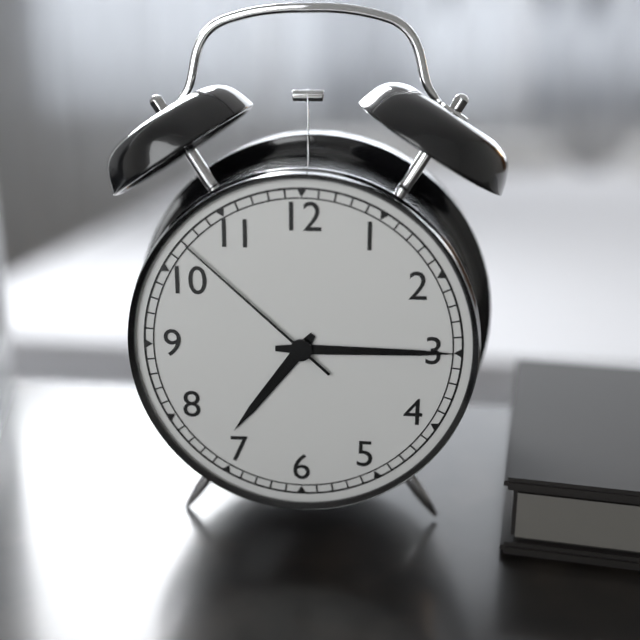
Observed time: 7:15:52
